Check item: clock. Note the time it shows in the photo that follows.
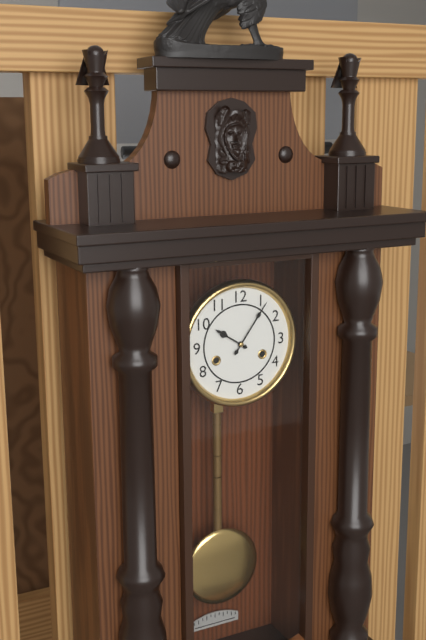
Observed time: 10:06
